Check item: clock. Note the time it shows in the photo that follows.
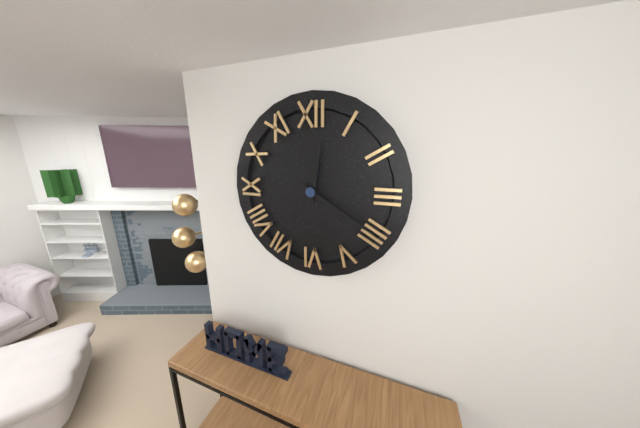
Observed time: 12:20
